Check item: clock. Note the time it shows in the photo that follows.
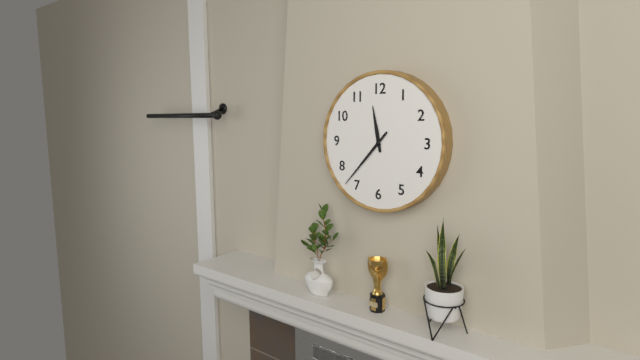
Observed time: 11:37
